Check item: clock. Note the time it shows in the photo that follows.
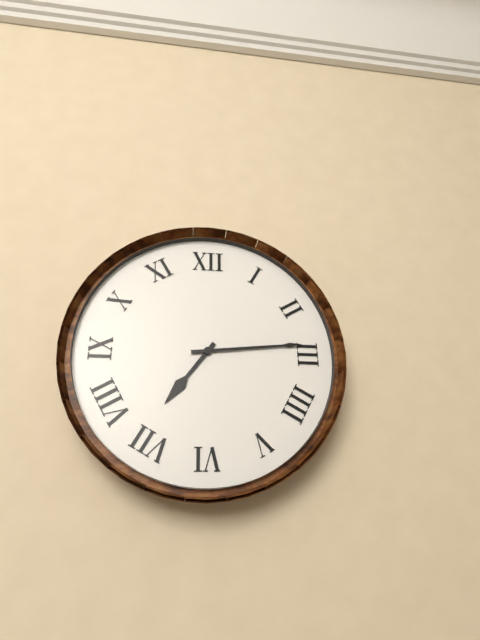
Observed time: 7:14
